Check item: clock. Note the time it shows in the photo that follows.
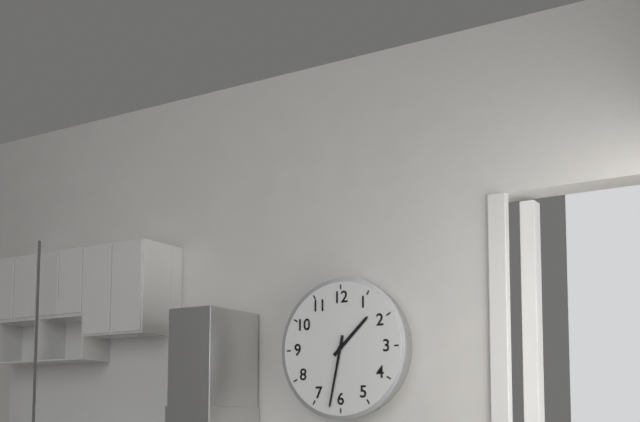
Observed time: 1:32
